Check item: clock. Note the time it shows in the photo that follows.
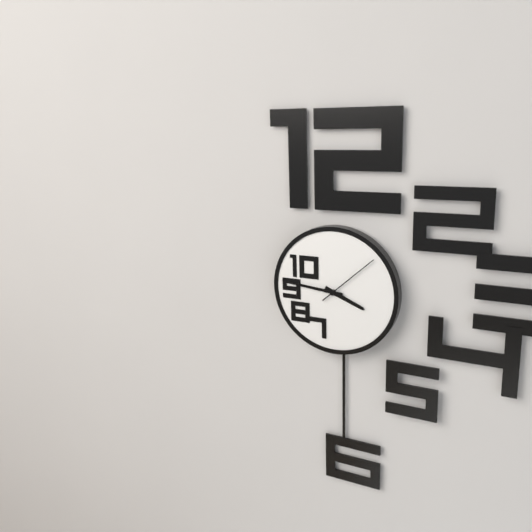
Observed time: 3:46:08
